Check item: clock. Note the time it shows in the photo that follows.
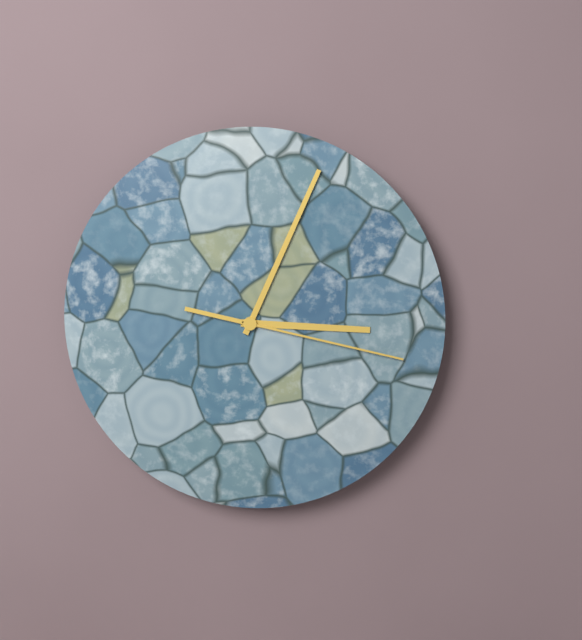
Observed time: 3:04:17
